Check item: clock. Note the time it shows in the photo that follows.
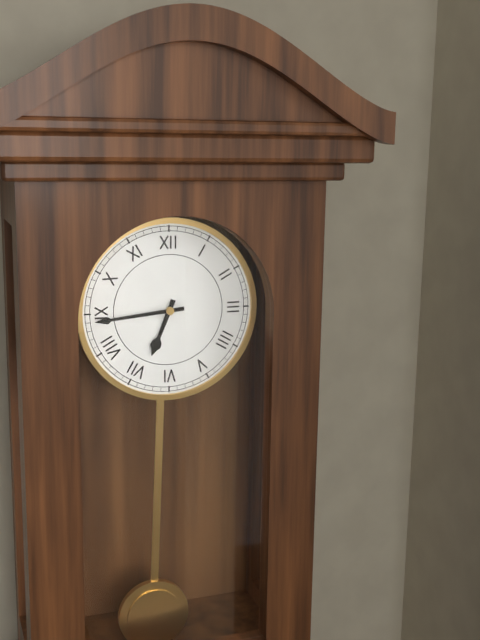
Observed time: 6:44
